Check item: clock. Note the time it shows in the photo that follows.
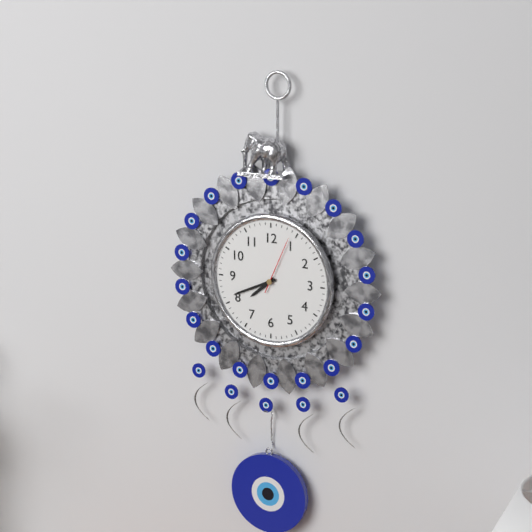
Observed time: 7:41:04
